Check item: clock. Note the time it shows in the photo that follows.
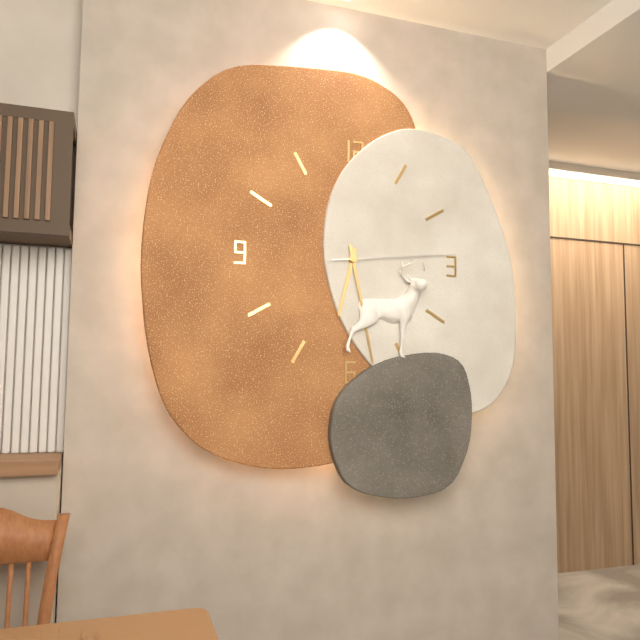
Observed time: 6:28:14
